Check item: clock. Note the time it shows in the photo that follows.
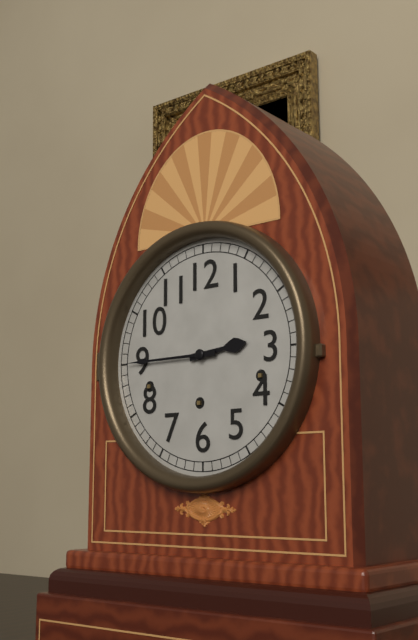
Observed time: 2:45
